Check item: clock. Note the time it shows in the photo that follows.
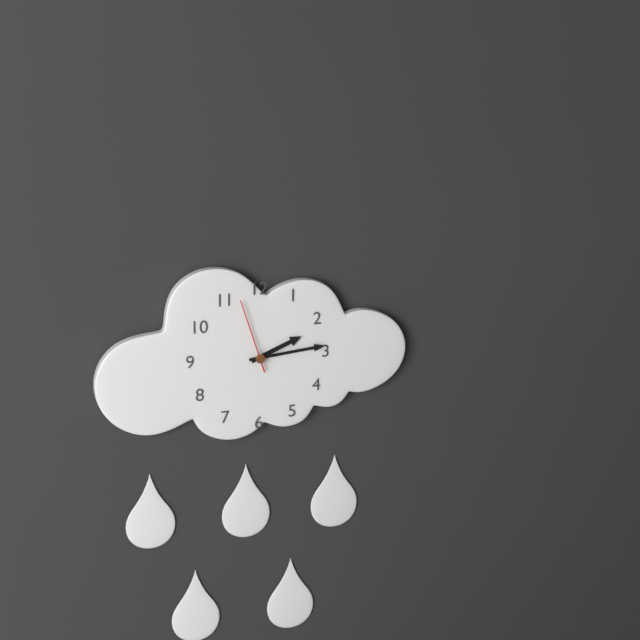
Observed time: 2:14:57
